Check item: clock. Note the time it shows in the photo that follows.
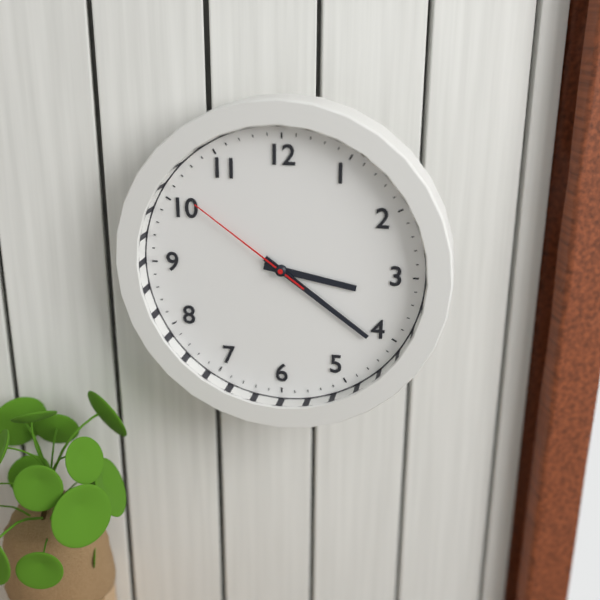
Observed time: 3:21:51
